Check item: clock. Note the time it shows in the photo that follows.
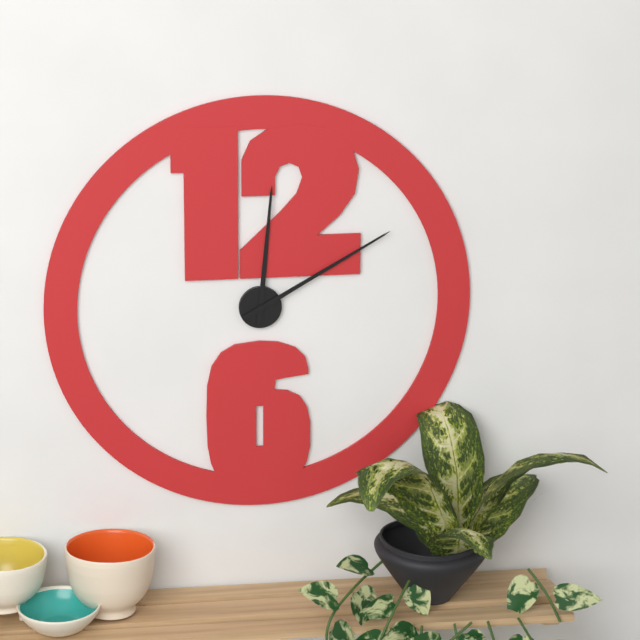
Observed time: 12:10
